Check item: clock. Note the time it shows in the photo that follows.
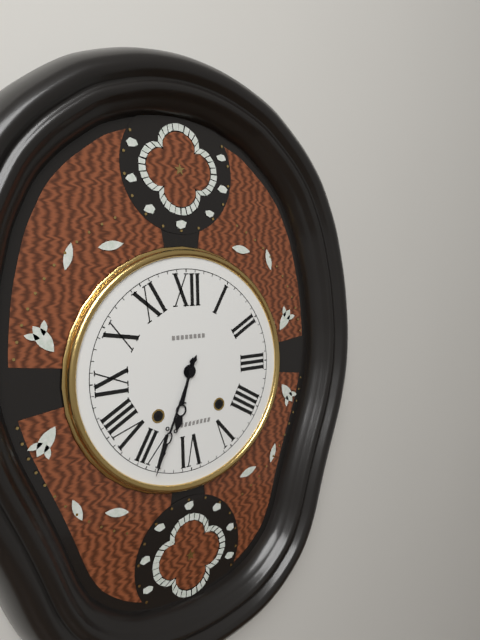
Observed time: 6:34
